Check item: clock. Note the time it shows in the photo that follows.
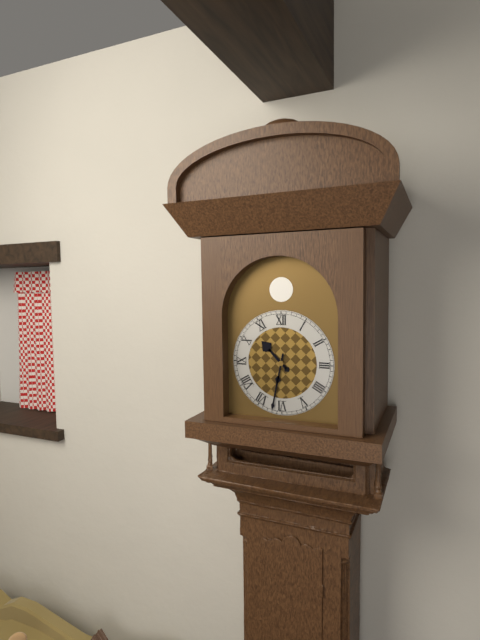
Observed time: 10:32
